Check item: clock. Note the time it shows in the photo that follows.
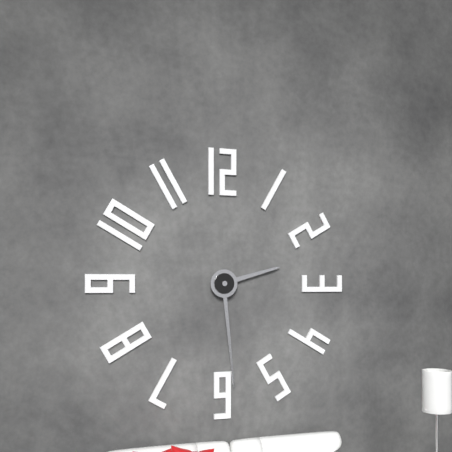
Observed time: 2:29
